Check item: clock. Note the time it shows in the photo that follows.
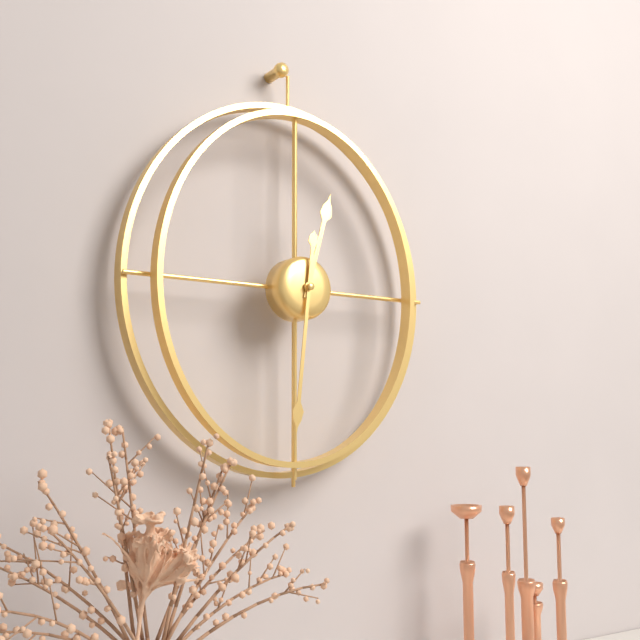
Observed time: 12:31
